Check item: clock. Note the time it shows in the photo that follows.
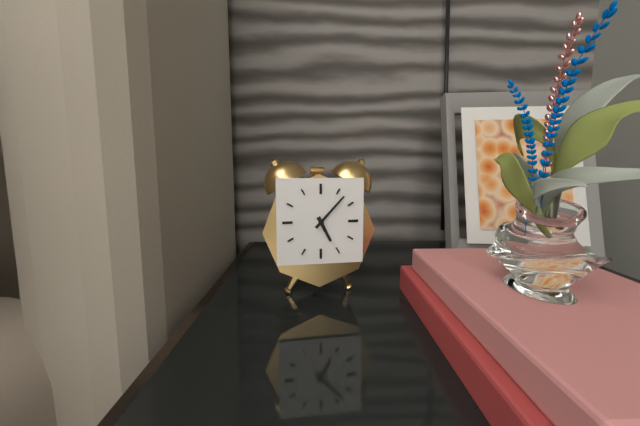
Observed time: 5:07
